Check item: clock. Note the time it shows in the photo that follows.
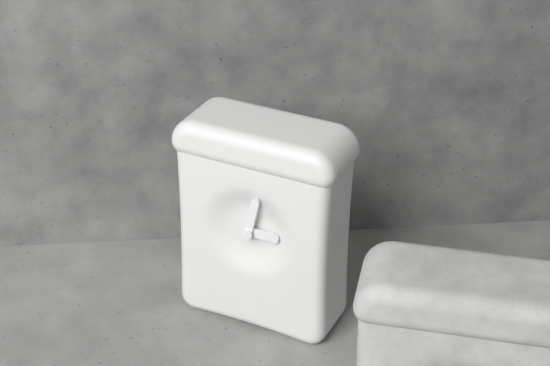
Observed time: 3:02
